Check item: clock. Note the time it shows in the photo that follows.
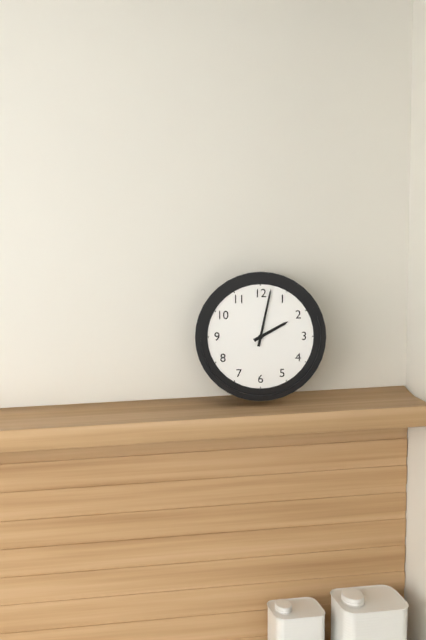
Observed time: 2:02
